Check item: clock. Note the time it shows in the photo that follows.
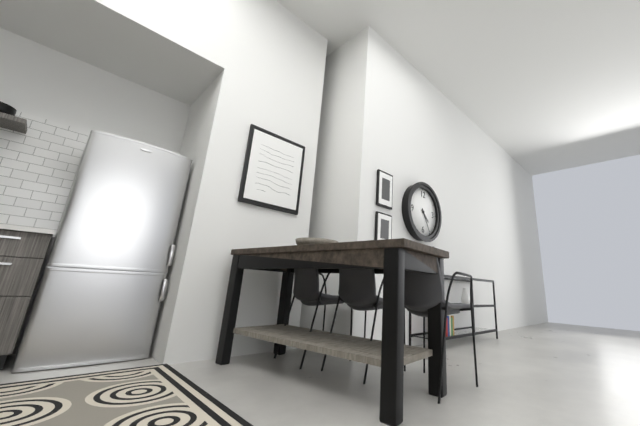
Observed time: 4:25
